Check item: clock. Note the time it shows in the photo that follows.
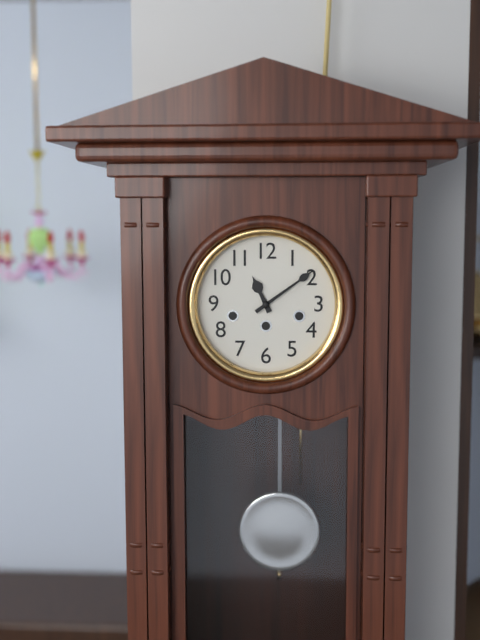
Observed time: 11:09
